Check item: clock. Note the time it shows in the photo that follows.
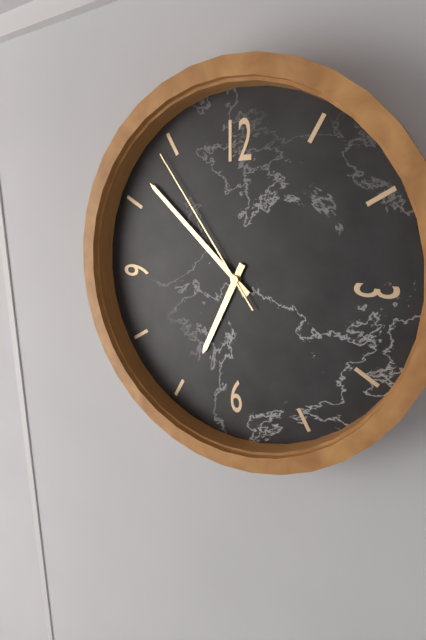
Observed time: 6:52:54
